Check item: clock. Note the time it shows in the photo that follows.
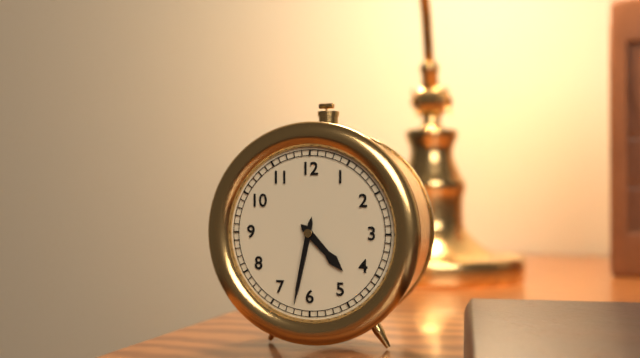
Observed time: 4:32
